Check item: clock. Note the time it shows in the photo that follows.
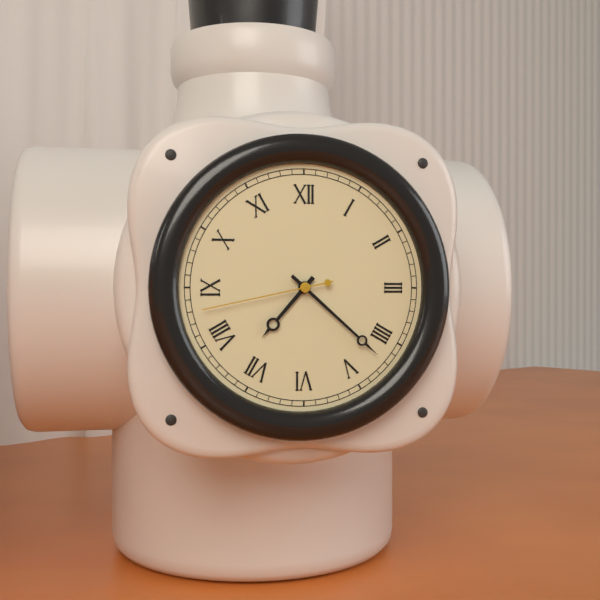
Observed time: 7:22:43
